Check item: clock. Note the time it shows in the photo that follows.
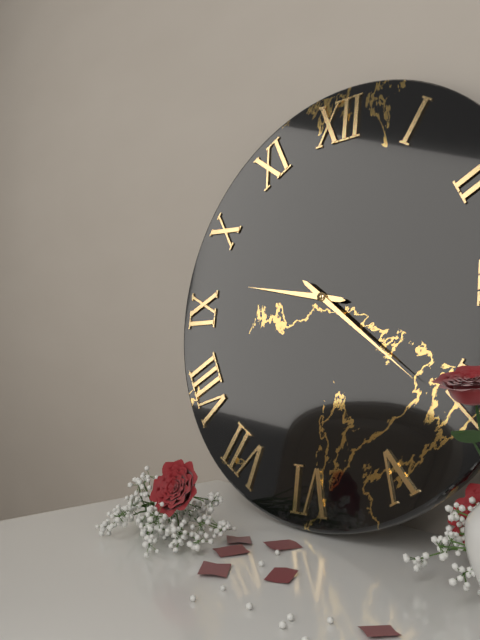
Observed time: 9:21
